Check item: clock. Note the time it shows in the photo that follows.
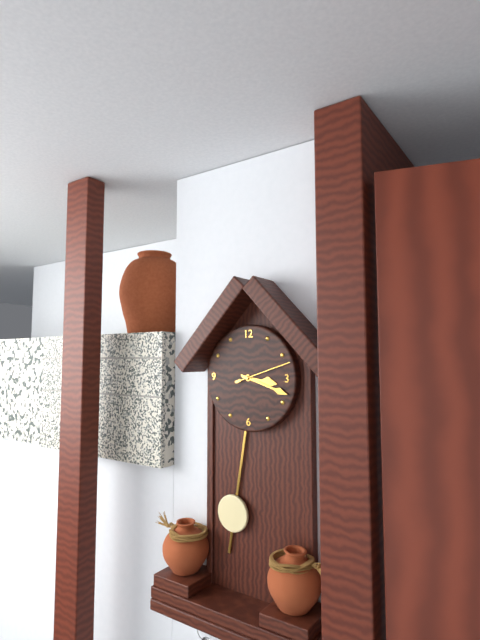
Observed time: 3:18:12
